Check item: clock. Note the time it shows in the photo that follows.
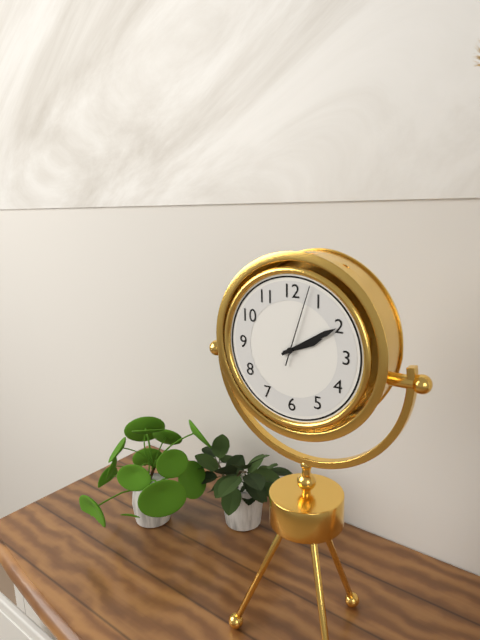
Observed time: 2:10:03
